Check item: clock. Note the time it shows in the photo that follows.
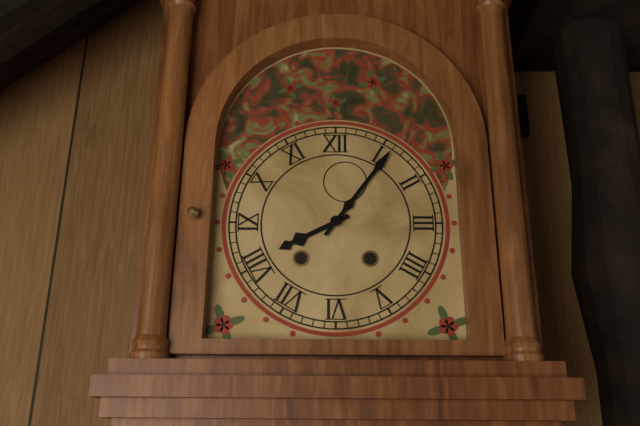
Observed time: 8:06
